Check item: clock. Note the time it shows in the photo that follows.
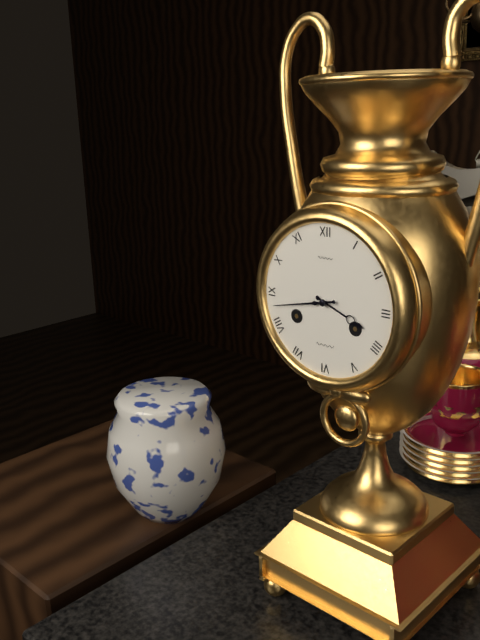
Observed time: 3:43
